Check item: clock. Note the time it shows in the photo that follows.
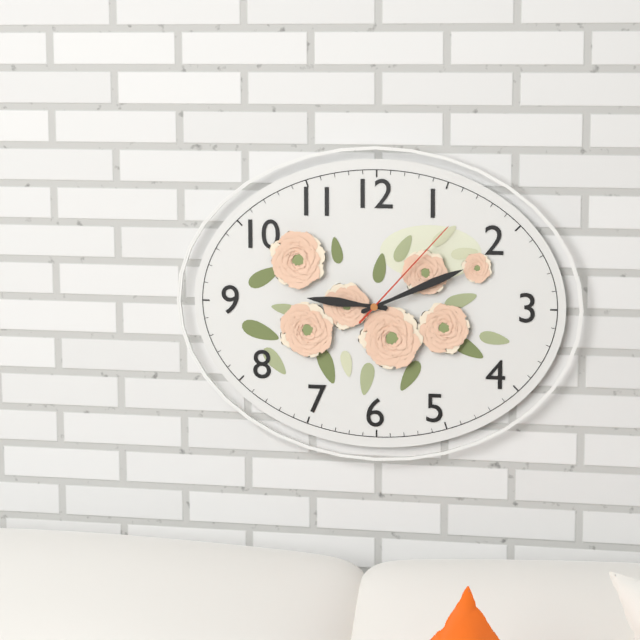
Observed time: 9:11:07
